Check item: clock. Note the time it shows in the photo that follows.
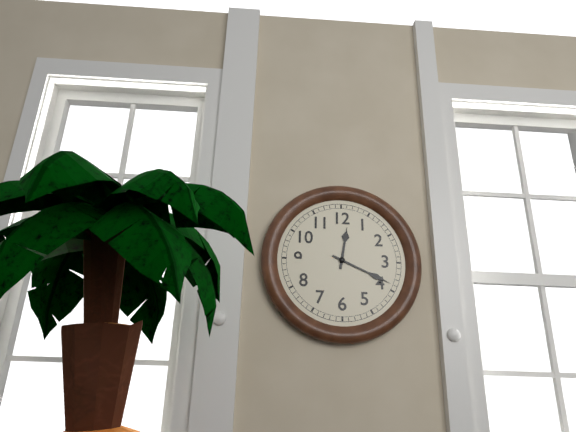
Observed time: 12:19
